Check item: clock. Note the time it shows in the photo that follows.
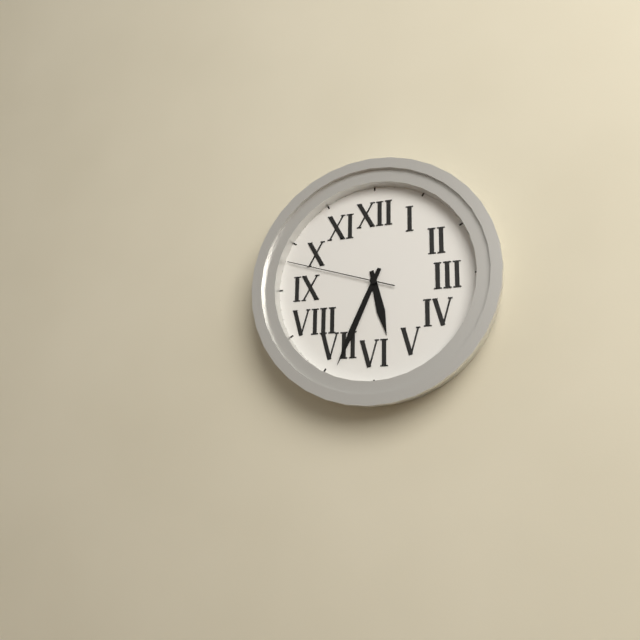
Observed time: 5:34:48
